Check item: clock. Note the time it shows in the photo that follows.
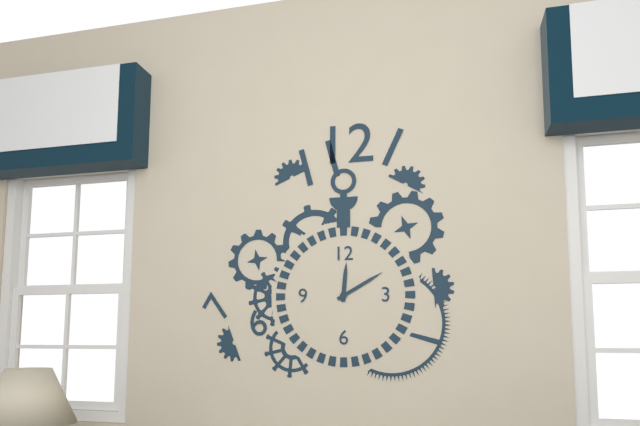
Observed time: 12:10
